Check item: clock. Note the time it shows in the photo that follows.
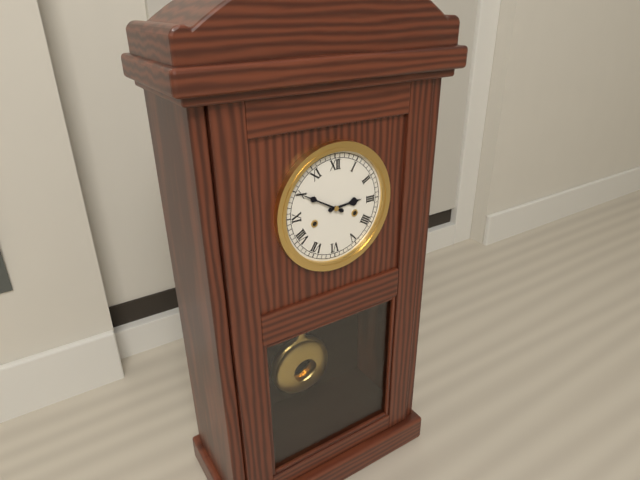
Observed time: 2:50
